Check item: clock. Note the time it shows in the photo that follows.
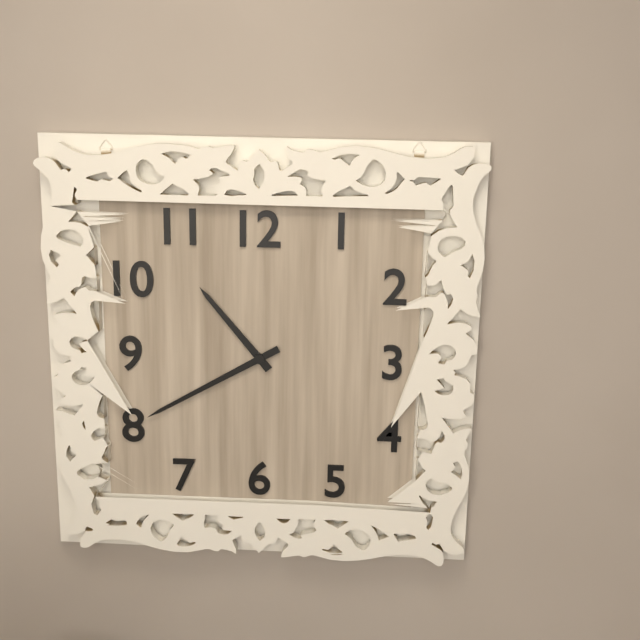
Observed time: 10:40
